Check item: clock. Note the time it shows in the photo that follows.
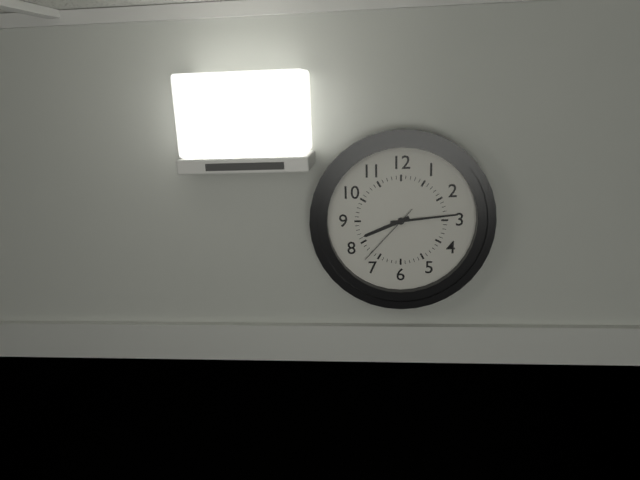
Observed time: 8:14:37
